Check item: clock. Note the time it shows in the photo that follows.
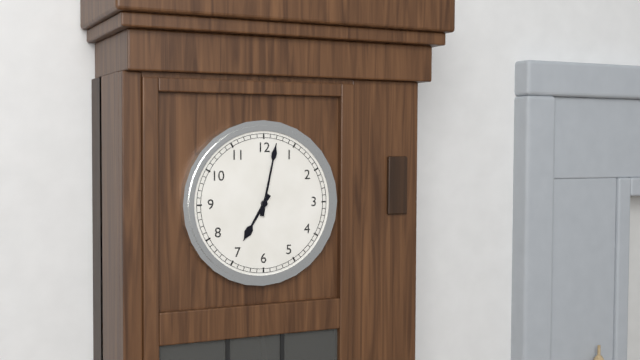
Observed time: 7:02
